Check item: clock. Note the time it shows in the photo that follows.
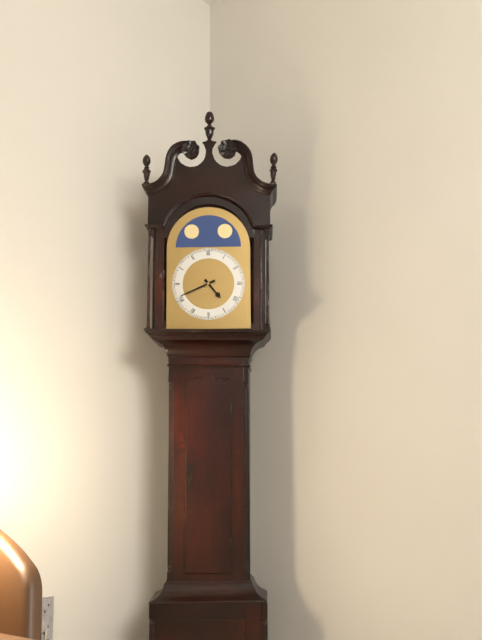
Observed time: 4:41
